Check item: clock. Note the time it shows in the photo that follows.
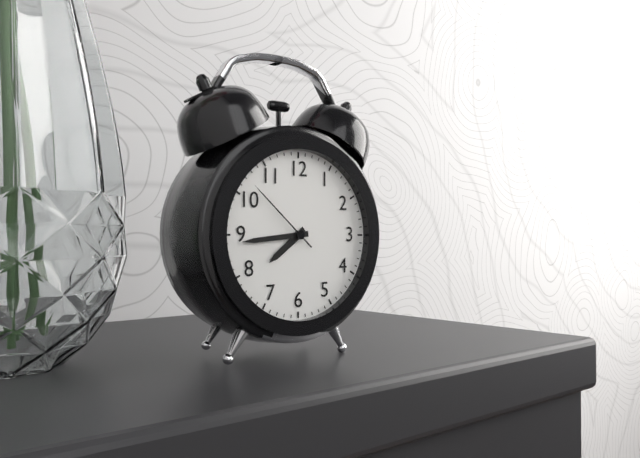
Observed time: 7:44:52
